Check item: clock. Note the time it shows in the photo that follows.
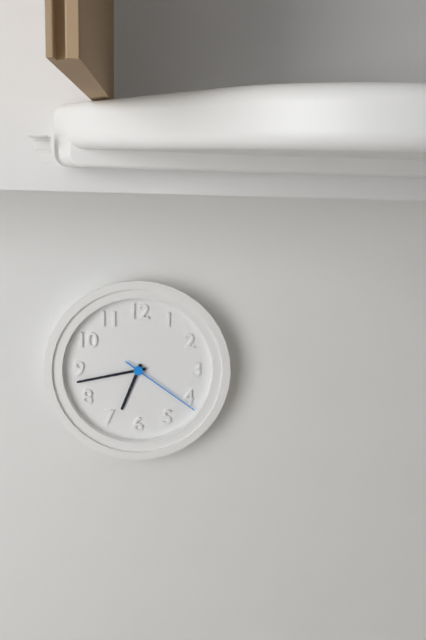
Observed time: 6:43:21
